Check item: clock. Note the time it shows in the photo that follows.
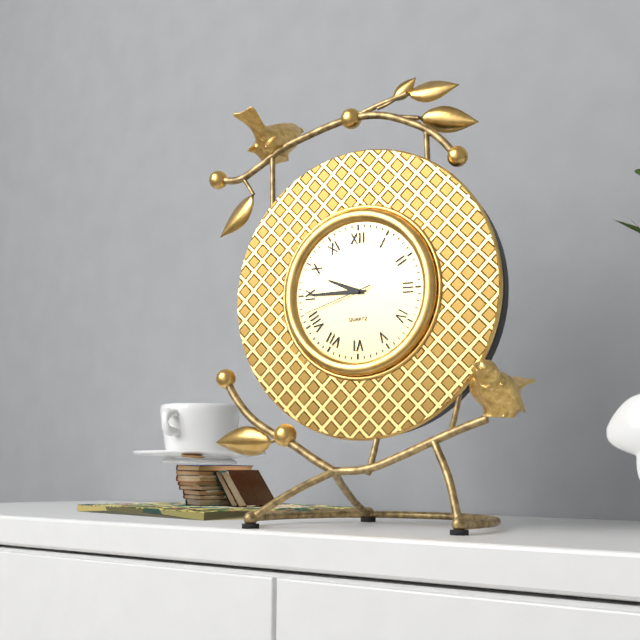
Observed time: 9:45:42
